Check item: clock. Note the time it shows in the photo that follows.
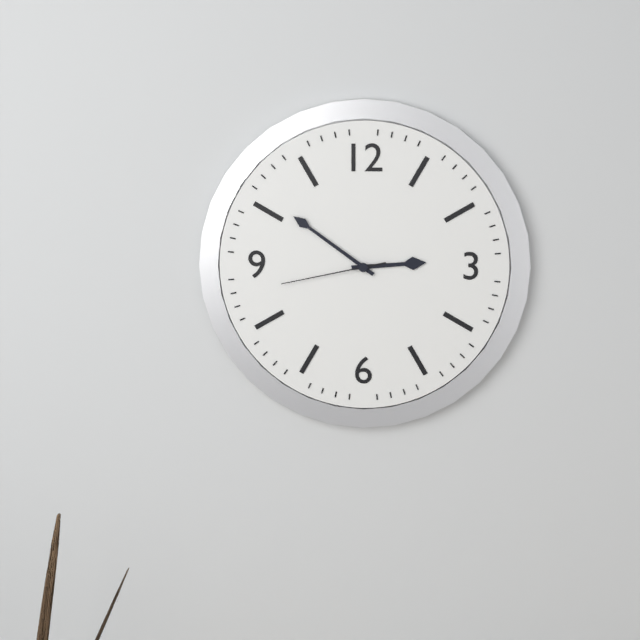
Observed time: 2:51:43
